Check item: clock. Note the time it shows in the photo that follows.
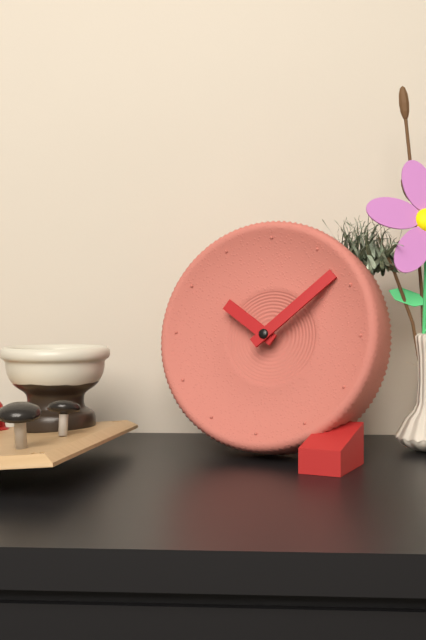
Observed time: 10:08
